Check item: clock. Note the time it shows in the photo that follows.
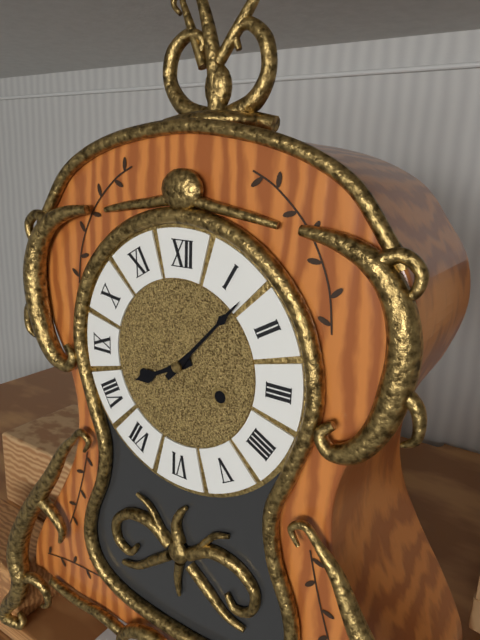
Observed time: 8:07
